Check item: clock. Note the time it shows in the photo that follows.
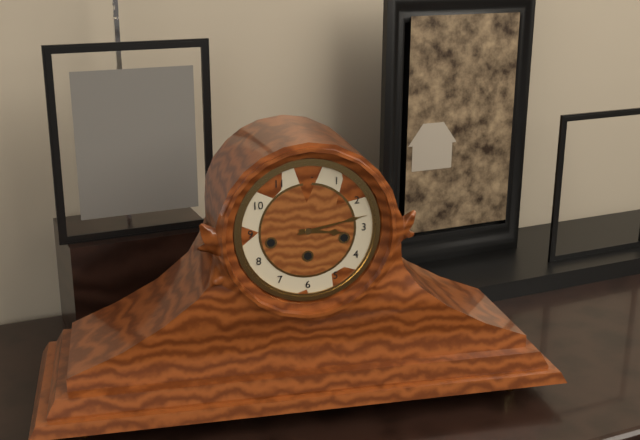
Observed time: 3:13
